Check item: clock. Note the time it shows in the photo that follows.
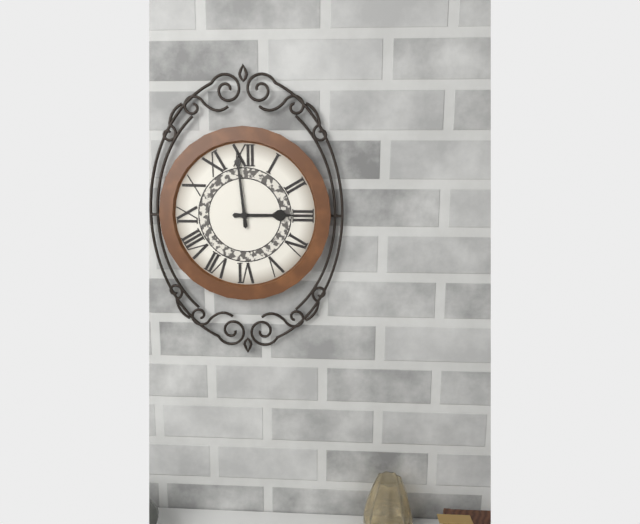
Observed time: 2:59
